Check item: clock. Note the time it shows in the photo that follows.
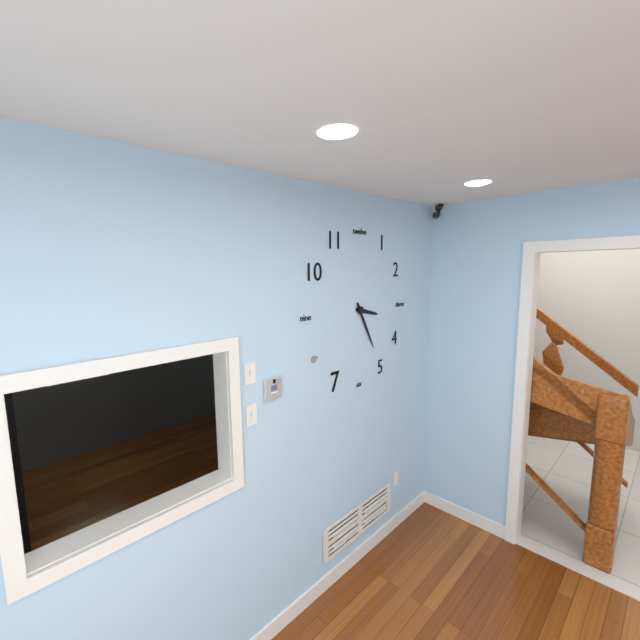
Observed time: 3:25
